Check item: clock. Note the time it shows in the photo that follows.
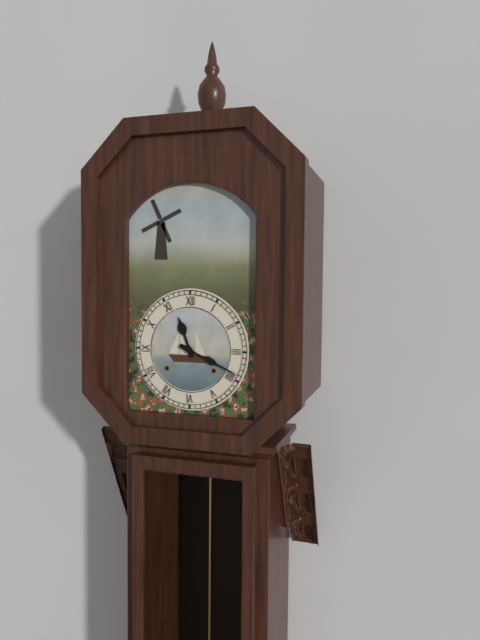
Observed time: 11:19
